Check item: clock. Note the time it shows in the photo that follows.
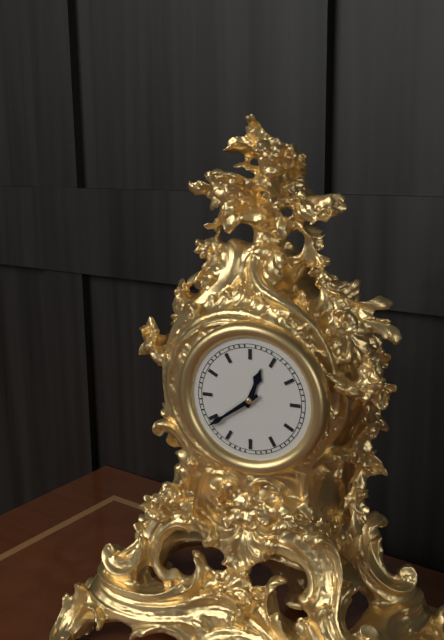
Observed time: 12:39
